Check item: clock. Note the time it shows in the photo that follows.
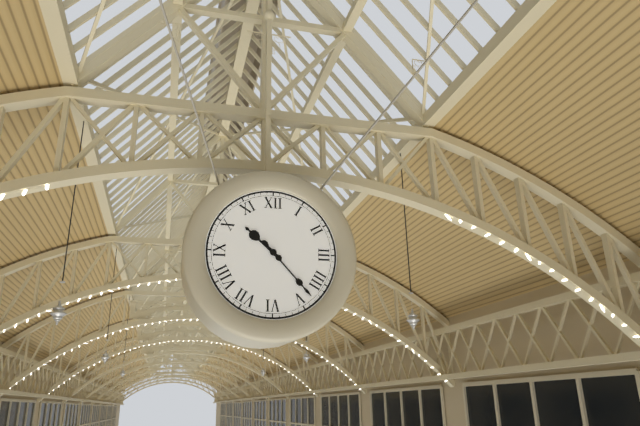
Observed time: 10:23
